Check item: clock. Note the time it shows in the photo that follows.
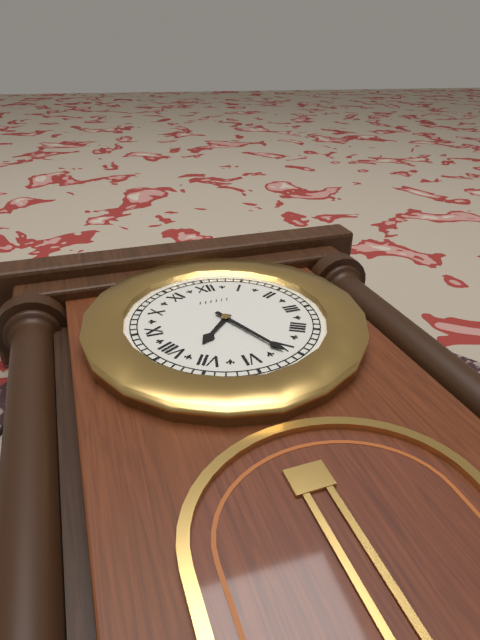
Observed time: 7:26
